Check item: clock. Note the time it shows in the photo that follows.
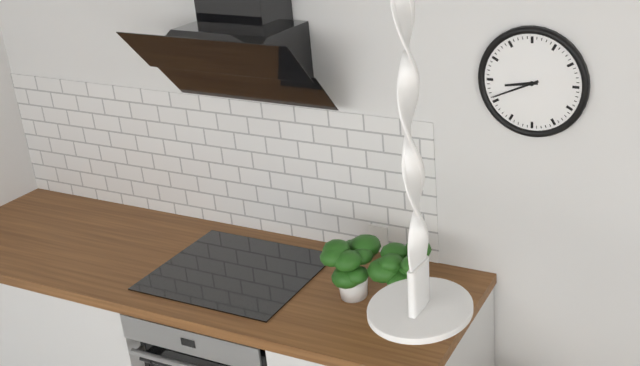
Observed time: 8:41
